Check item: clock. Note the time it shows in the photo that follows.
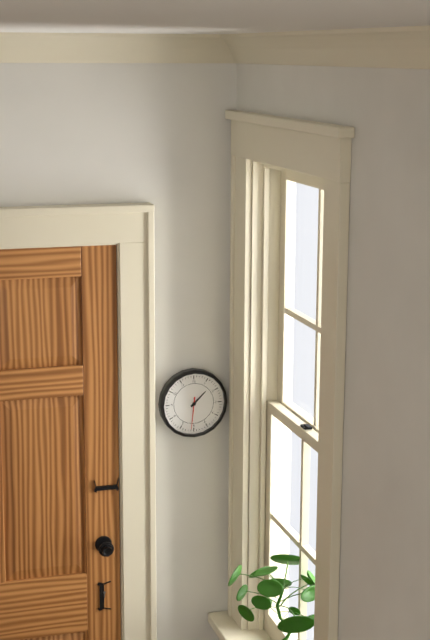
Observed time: 1:31
